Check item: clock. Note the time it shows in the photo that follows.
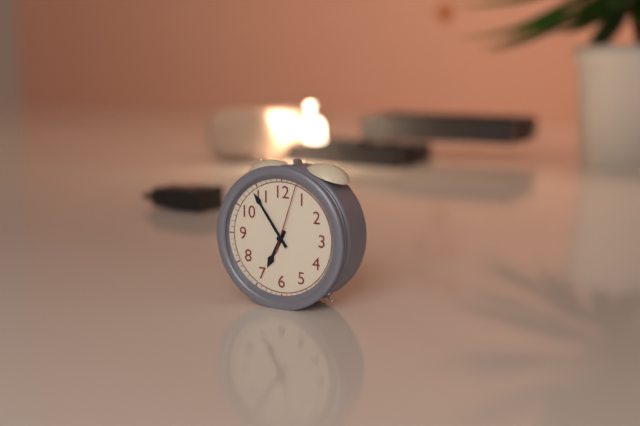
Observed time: 6:54:03
